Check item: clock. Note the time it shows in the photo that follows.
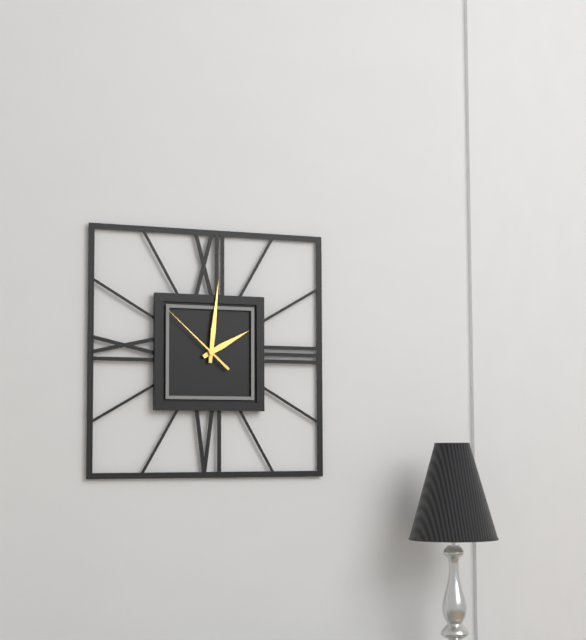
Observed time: 2:01:52
